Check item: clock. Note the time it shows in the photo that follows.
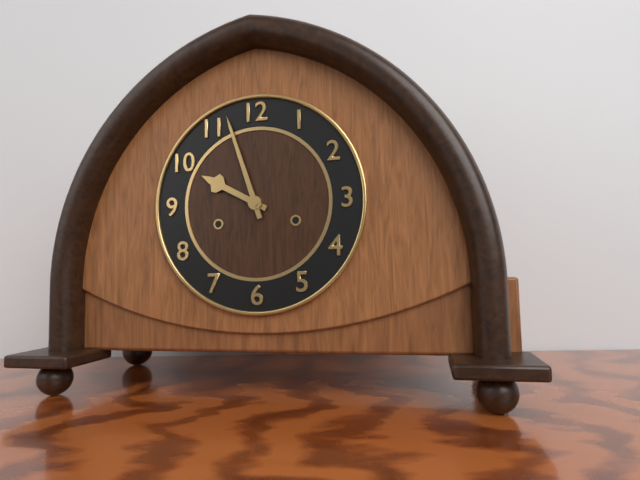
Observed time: 9:57
